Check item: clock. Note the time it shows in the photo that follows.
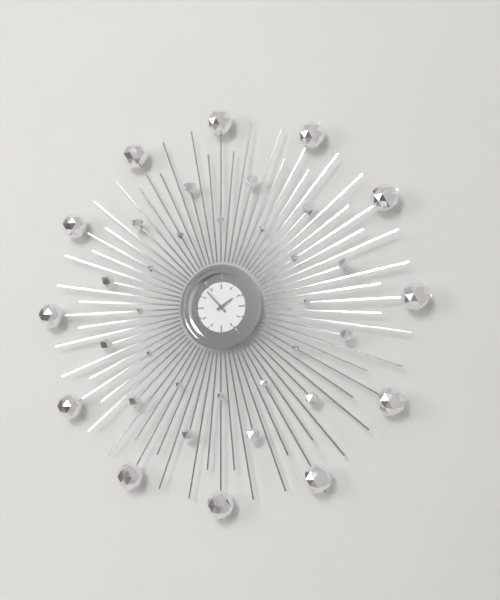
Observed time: 1:53
